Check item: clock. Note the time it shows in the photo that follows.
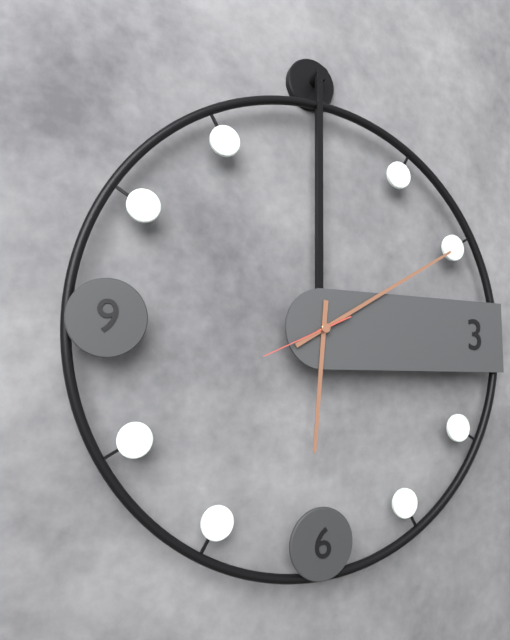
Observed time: 6:10:41
